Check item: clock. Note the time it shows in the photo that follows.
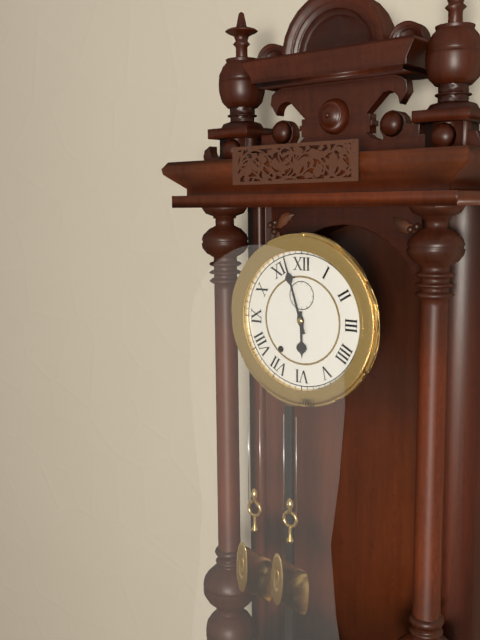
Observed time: 5:57
